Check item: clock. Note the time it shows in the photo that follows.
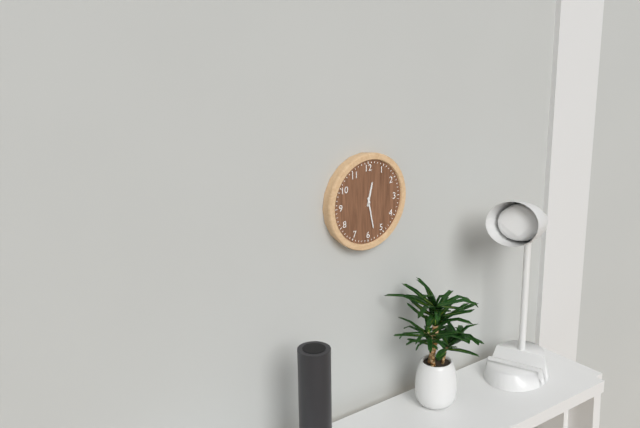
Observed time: 12:28
